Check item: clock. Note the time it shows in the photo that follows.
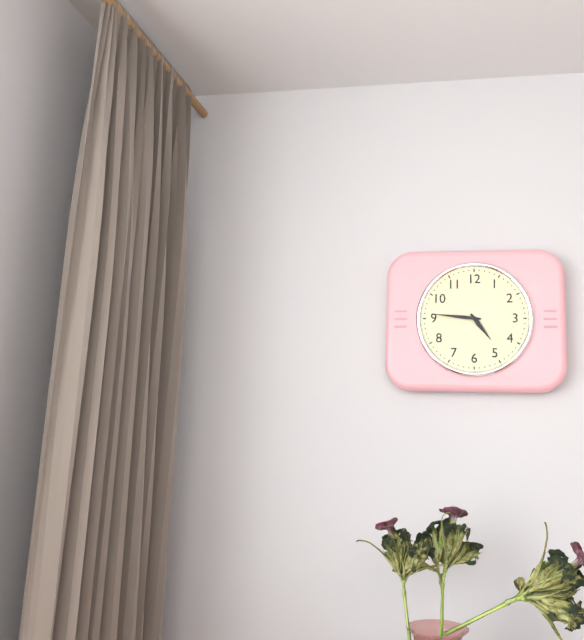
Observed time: 4:46
